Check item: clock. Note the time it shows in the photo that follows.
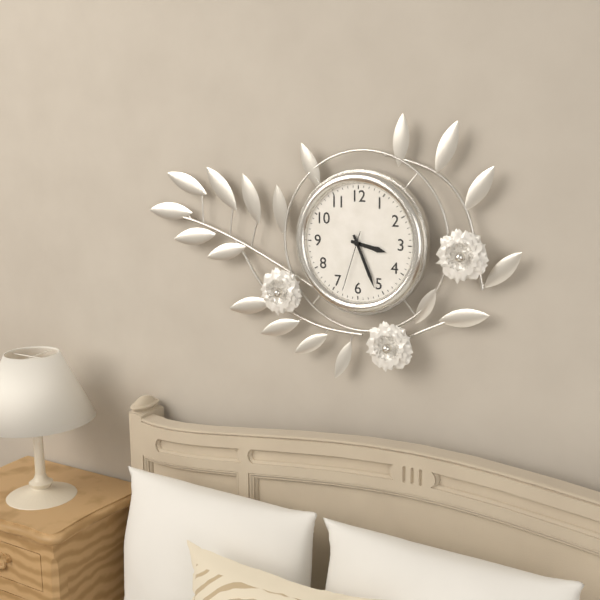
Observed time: 3:26:33
